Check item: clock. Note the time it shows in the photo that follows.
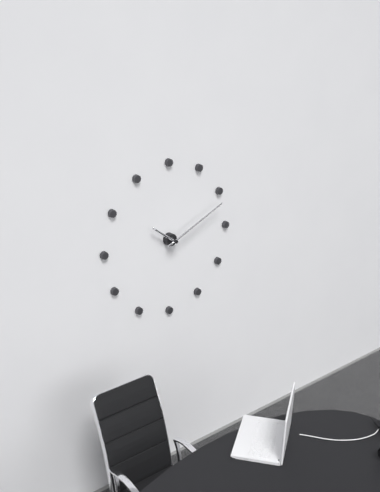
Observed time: 10:11
